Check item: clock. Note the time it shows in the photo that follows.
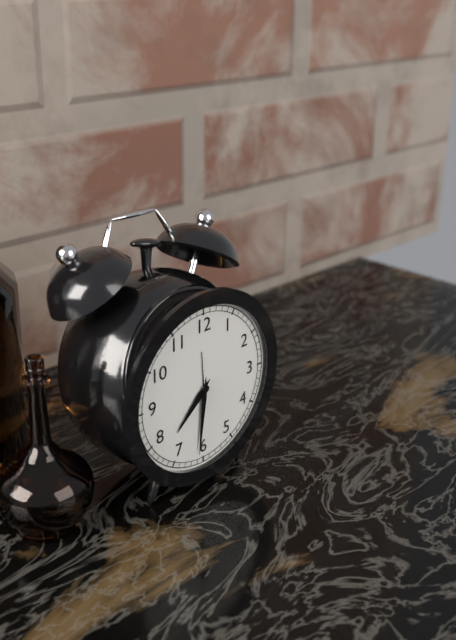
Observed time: 7:31
